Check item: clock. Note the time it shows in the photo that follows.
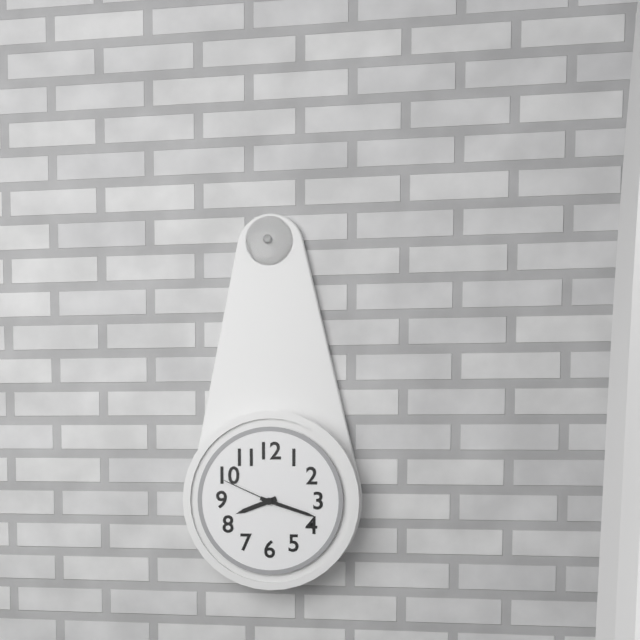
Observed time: 8:18:49
